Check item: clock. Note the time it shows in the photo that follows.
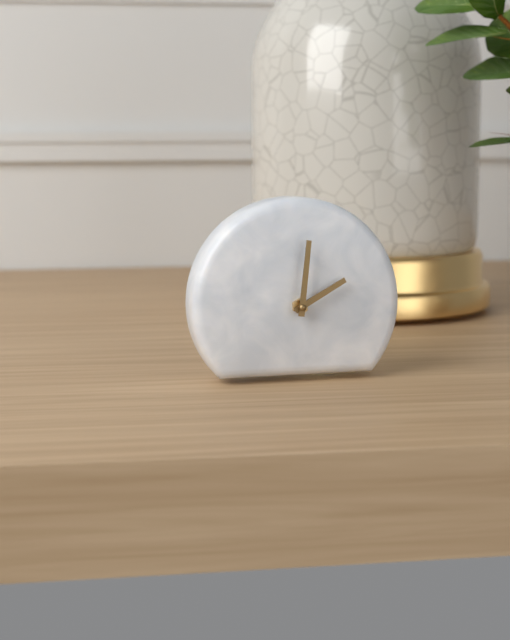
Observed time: 2:01
